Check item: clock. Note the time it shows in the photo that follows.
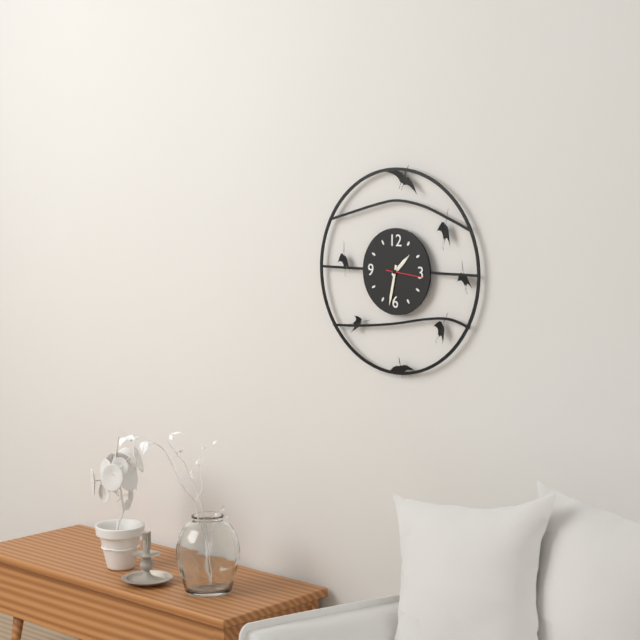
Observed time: 1:32
